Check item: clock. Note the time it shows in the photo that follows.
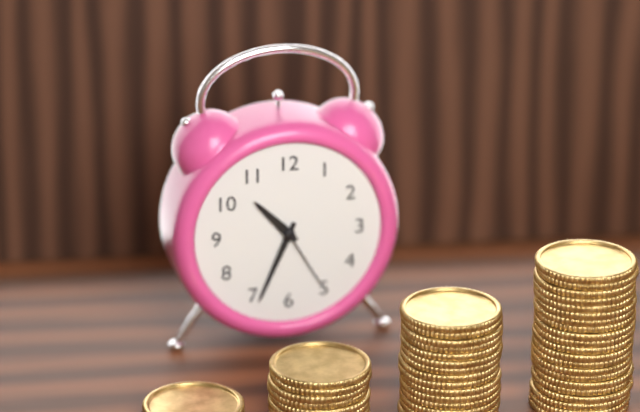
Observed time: 10:34:25
